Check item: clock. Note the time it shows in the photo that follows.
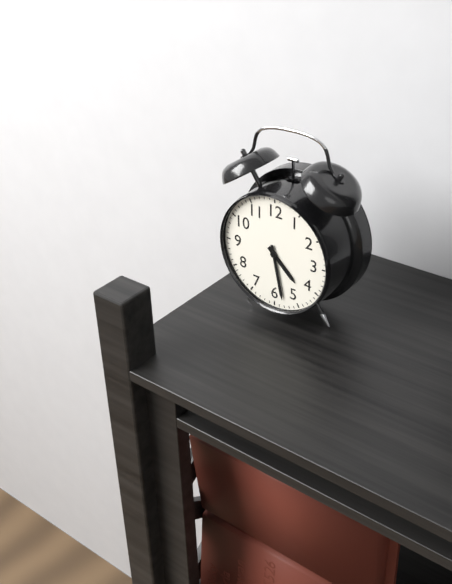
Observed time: 4:28
